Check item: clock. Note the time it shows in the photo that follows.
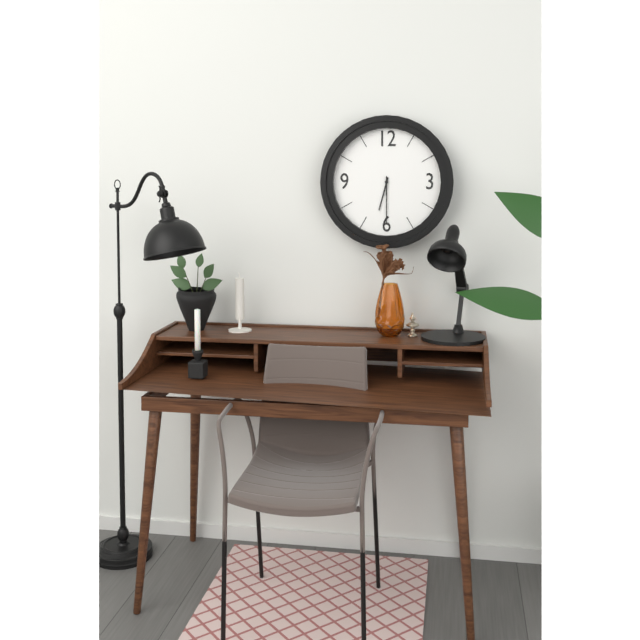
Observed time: 6:30
